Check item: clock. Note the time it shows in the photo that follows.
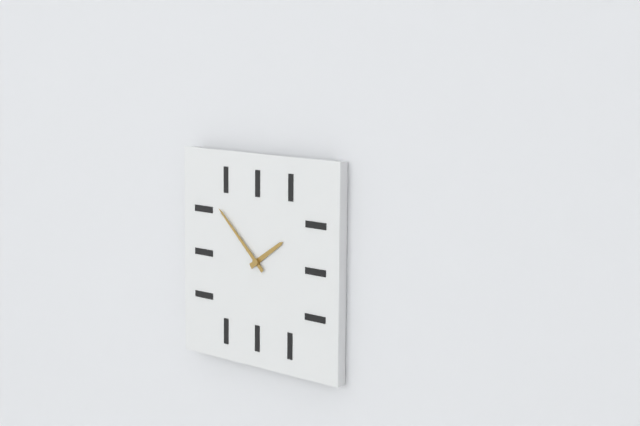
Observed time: 1:52
